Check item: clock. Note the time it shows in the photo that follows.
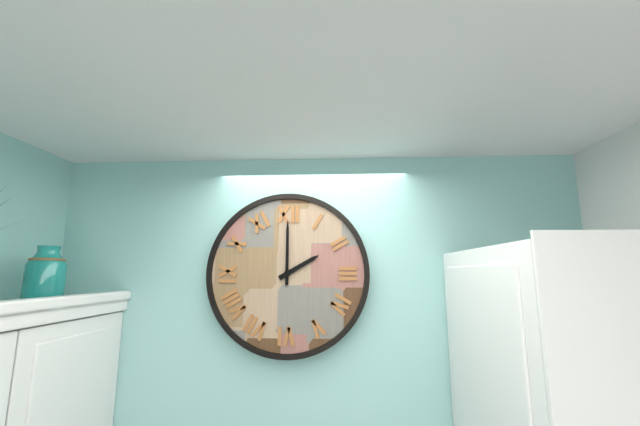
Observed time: 2:00
